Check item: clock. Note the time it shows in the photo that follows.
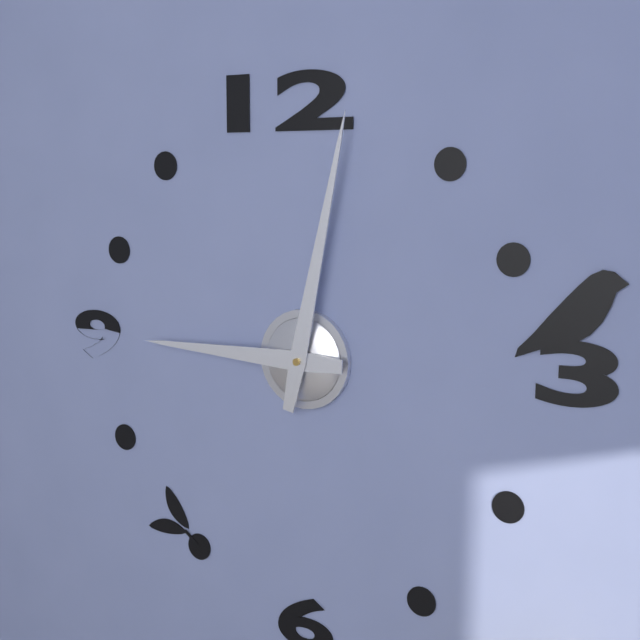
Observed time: 9:02
